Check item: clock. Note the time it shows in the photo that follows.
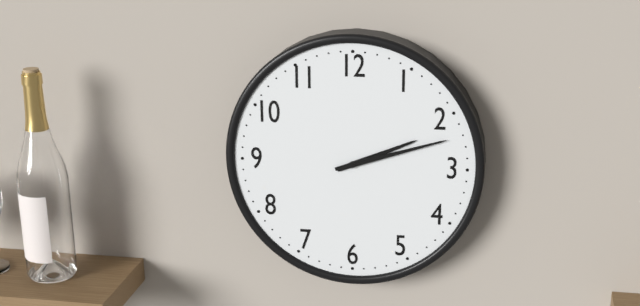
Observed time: 2:12
